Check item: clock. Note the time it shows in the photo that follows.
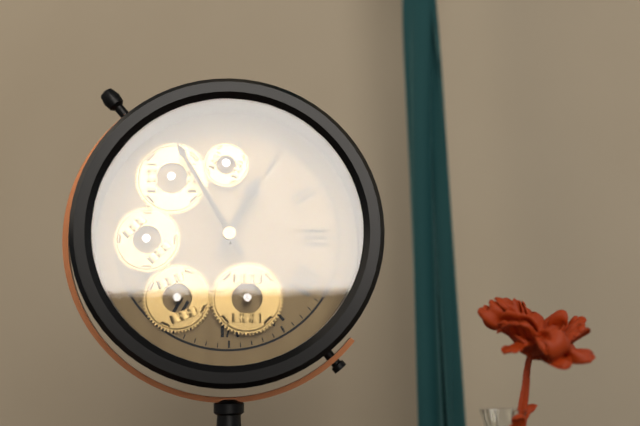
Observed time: 12:55
